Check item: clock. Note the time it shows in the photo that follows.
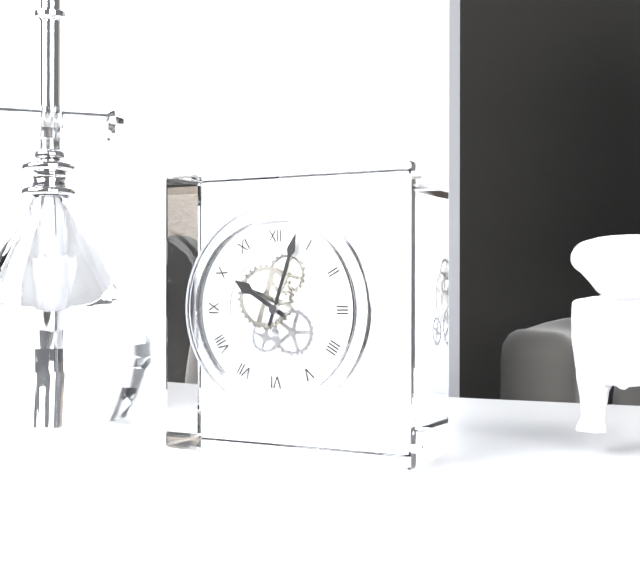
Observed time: 10:03
